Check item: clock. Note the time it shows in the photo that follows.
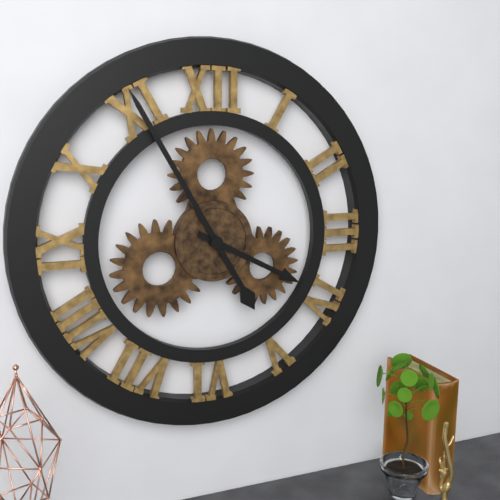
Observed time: 3:55
